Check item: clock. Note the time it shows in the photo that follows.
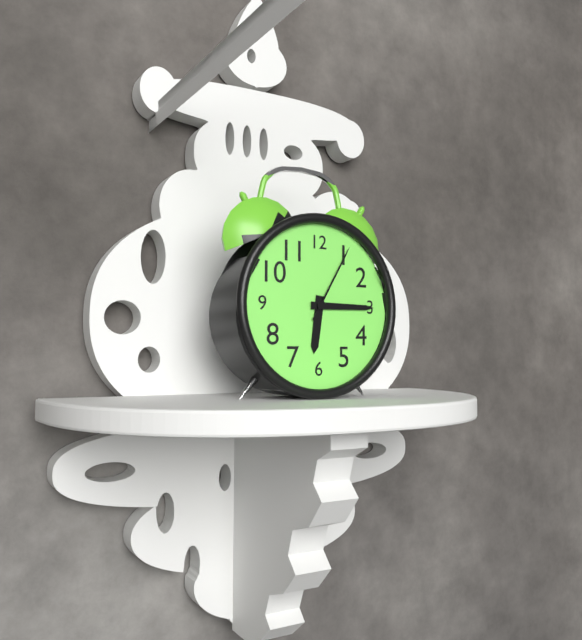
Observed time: 6:15:05
